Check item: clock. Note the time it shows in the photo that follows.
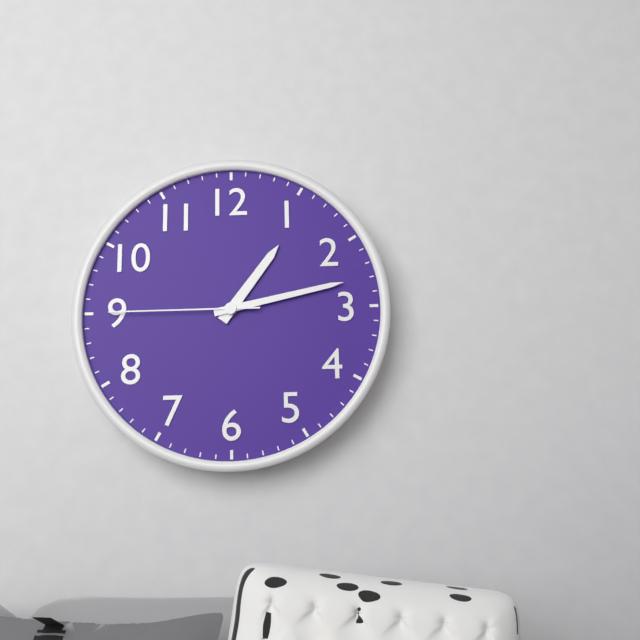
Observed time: 1:13:45
